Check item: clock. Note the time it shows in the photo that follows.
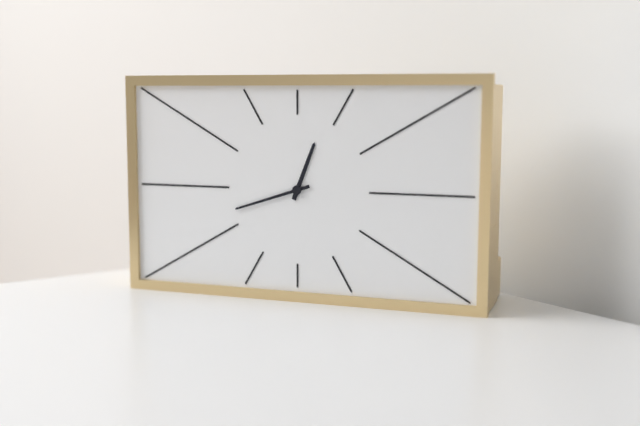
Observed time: 12:42
